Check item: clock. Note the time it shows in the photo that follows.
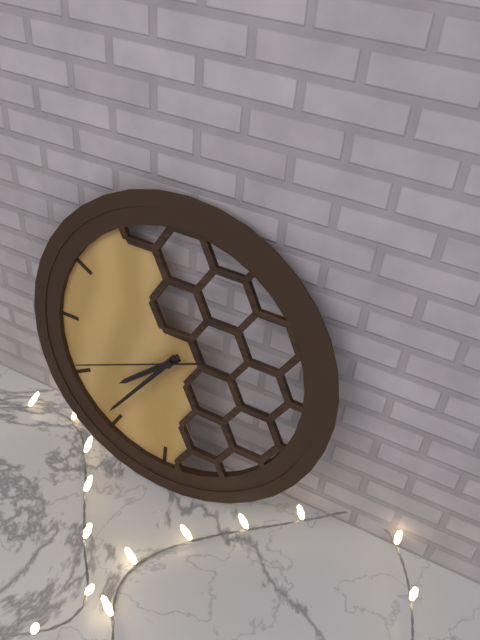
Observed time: 7:36:41
